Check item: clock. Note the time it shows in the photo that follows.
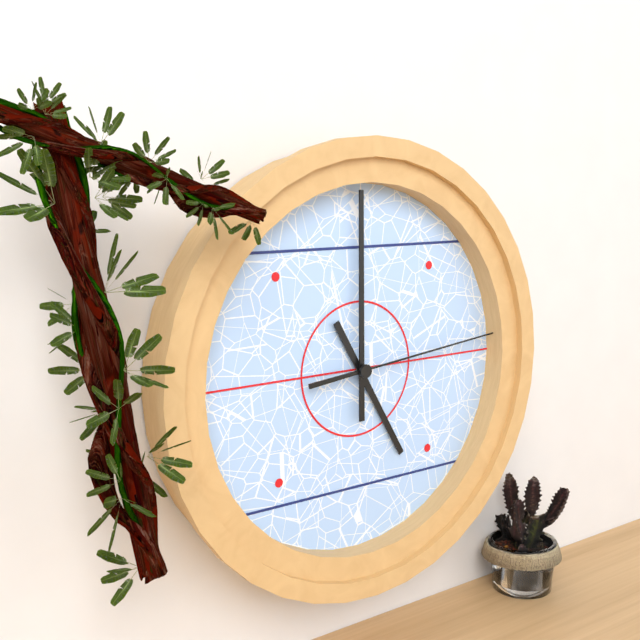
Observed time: 5:00:14
